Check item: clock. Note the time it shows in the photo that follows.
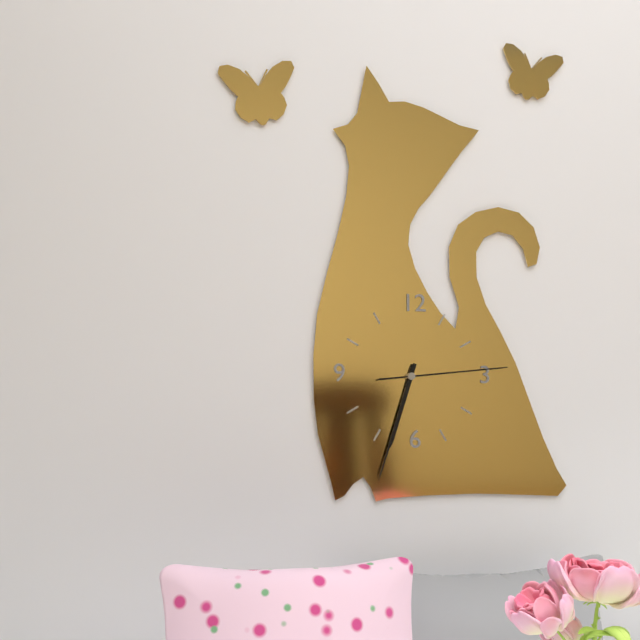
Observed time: 6:33:14
